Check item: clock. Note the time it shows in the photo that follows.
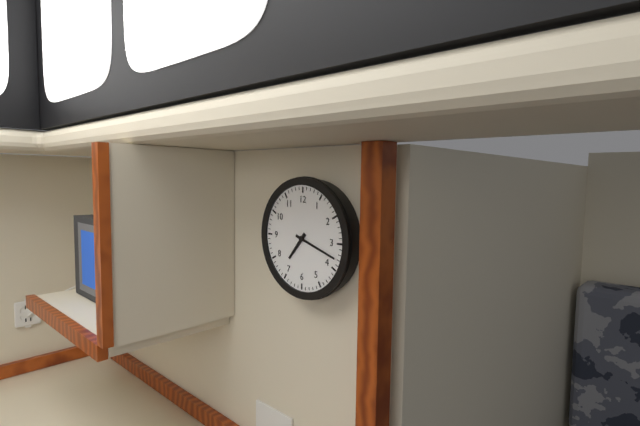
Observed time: 7:18
